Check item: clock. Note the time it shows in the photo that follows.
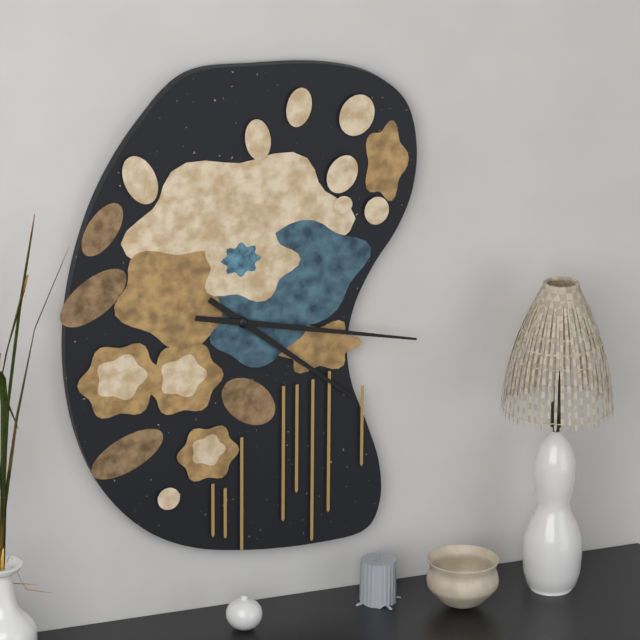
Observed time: 4:17
